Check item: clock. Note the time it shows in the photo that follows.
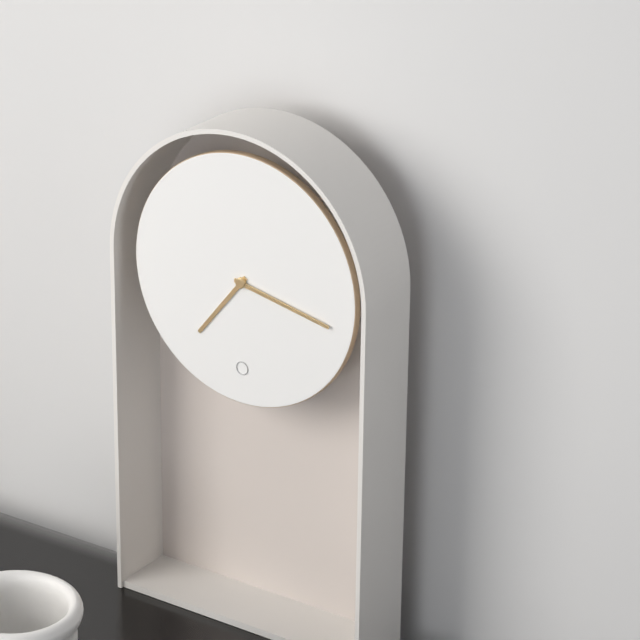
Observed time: 7:17
